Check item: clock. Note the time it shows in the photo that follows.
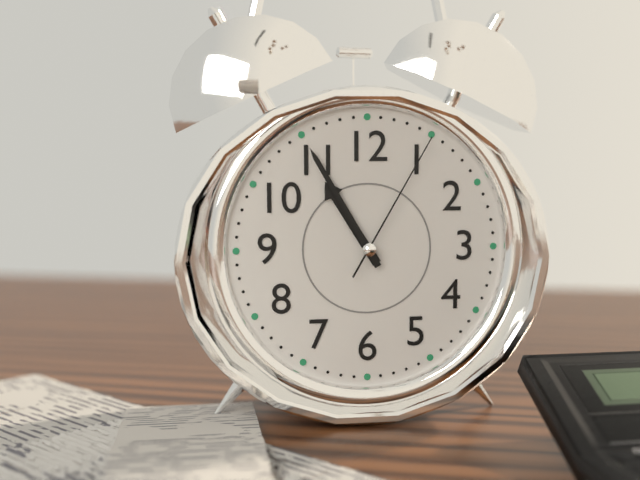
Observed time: 10:55:05
